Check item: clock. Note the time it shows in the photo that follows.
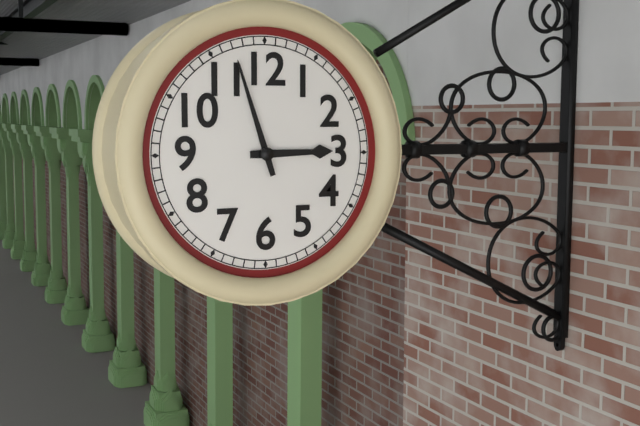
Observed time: 2:57
